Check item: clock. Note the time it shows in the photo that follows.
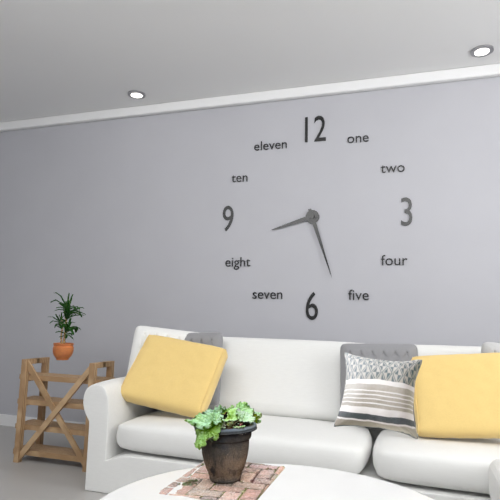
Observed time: 8:27
